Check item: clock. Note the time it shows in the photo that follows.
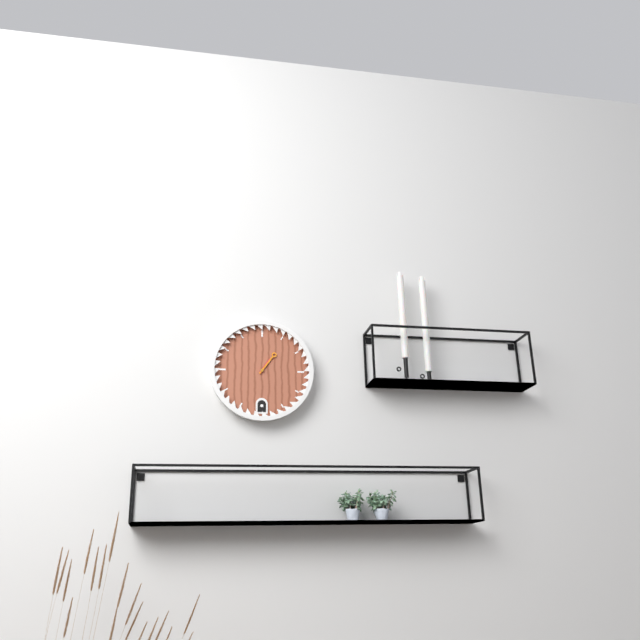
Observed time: 1:06
